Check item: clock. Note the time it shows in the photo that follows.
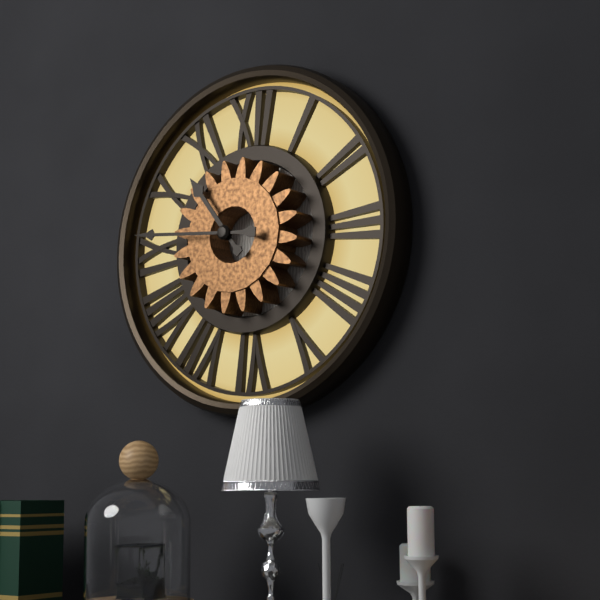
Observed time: 10:46
